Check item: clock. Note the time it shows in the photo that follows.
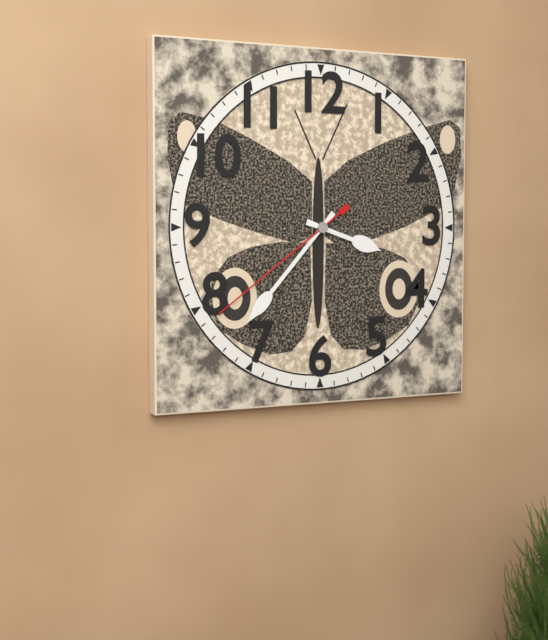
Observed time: 3:37:39
